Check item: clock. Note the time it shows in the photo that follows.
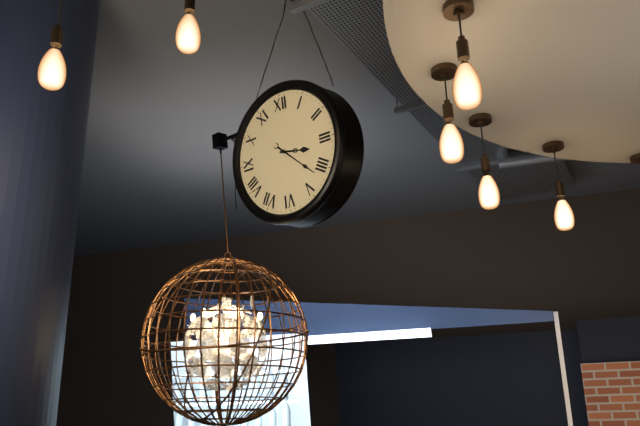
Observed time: 3:22
